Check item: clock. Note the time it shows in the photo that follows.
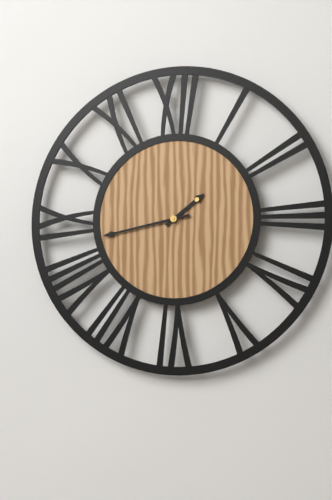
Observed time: 1:43
